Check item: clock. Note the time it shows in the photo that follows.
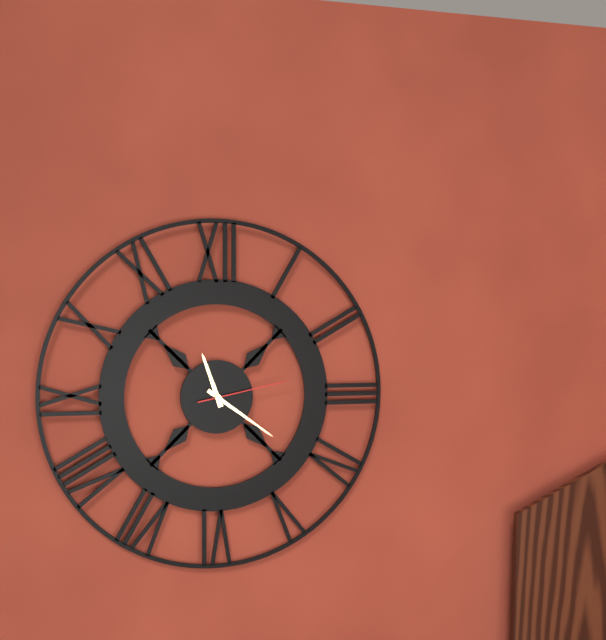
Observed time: 11:21:13
